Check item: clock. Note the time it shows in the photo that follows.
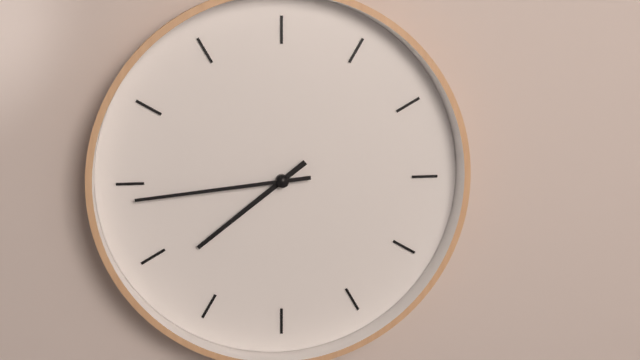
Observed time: 7:44
